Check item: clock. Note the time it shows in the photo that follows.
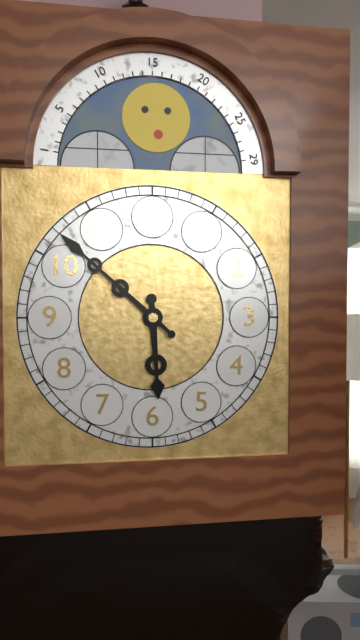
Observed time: 5:52
